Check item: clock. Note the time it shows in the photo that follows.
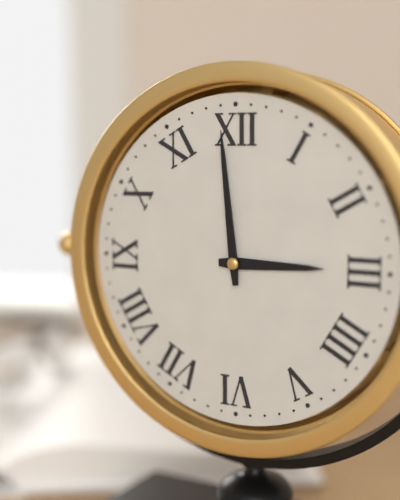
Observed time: 2:59
